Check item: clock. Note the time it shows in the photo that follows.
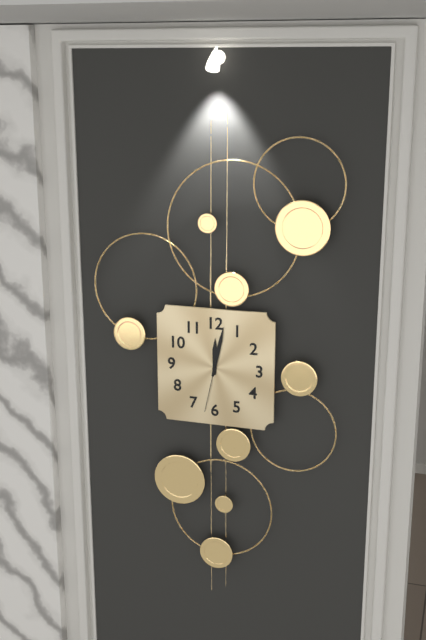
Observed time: 12:02:32
